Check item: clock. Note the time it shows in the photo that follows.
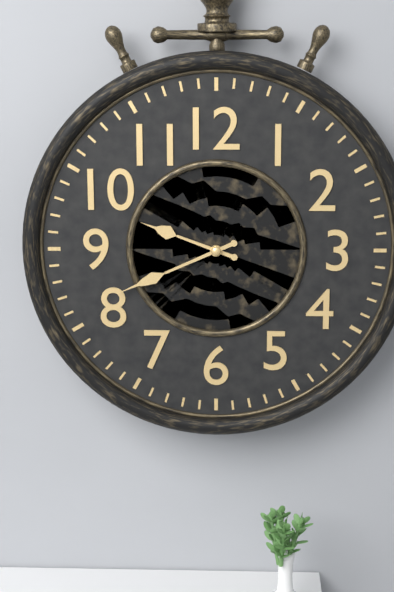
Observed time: 9:41
